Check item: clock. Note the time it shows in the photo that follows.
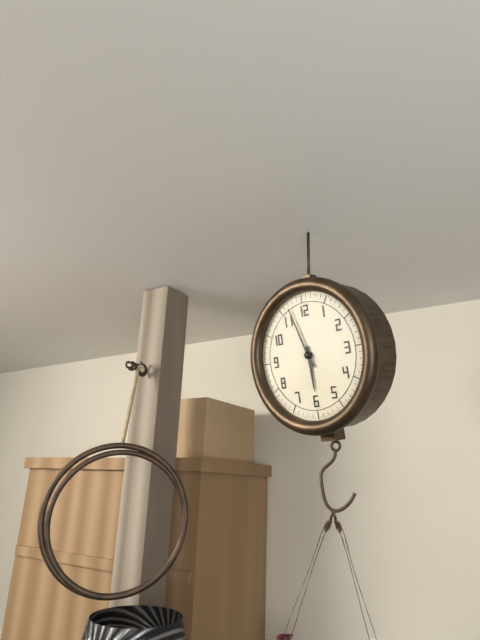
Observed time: 5:57
